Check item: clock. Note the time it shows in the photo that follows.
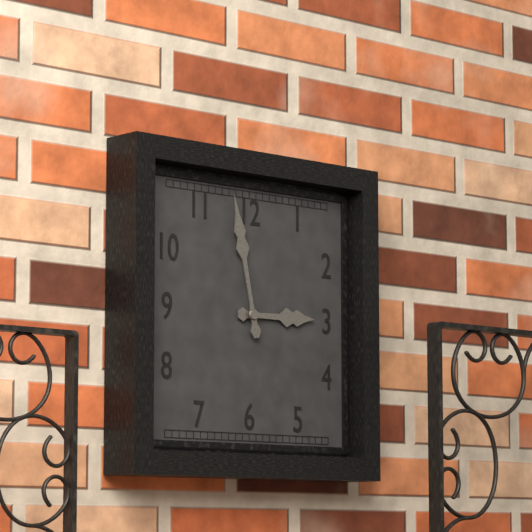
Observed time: 2:58
